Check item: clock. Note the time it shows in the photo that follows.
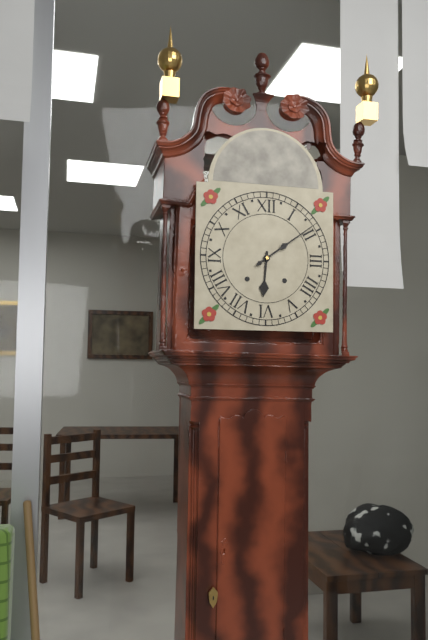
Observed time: 6:09
